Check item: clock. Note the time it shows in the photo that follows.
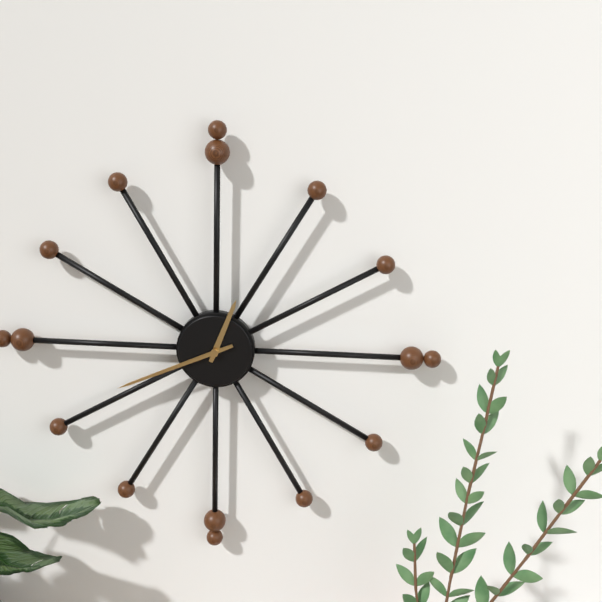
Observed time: 12:41
